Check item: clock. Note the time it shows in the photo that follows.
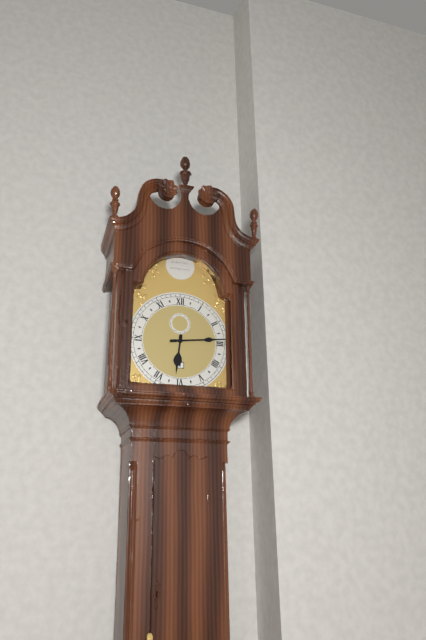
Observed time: 6:14
